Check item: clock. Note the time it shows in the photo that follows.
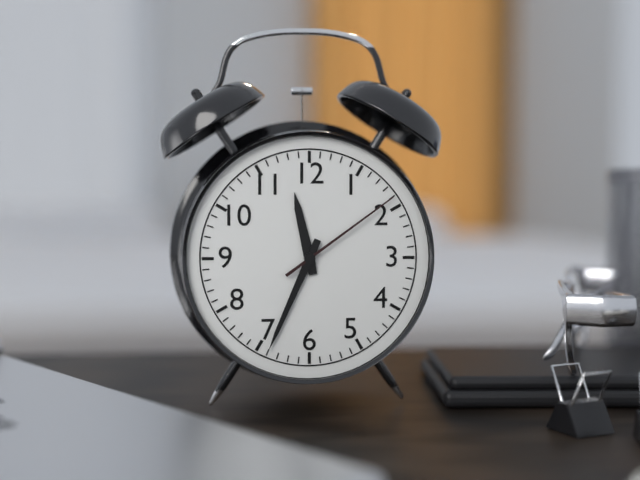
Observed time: 11:34:09
